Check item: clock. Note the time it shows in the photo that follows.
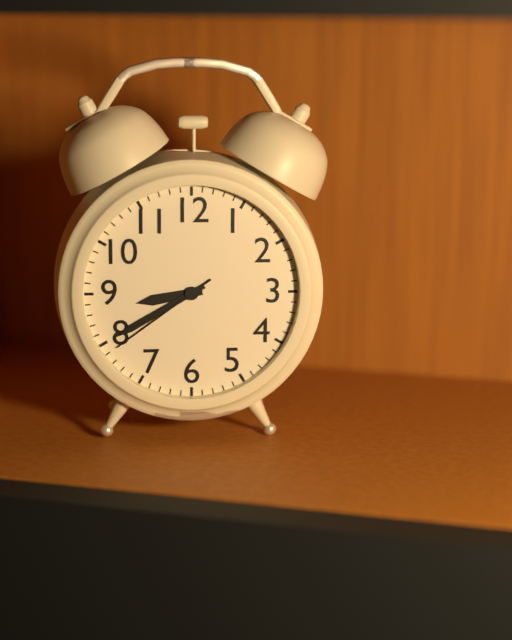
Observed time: 8:40:39
